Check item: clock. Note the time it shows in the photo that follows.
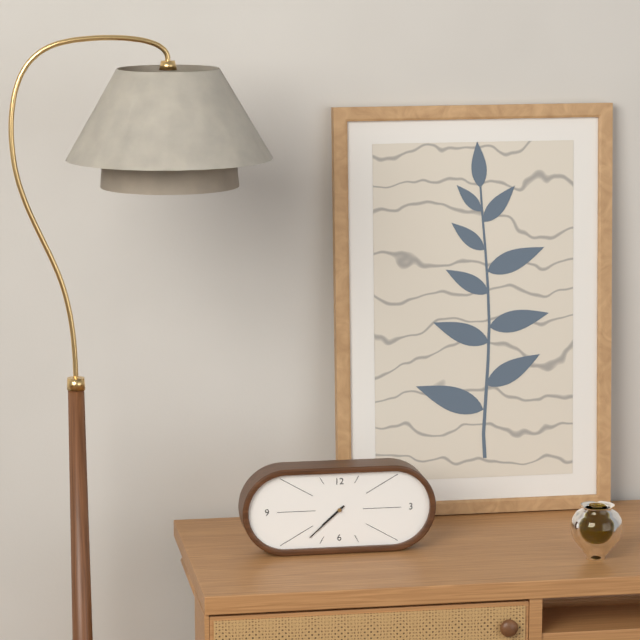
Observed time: 7:38
